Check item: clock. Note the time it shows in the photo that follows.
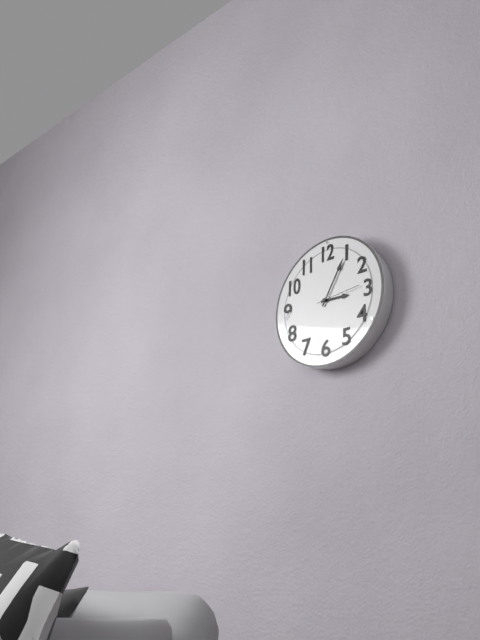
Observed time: 3:05
